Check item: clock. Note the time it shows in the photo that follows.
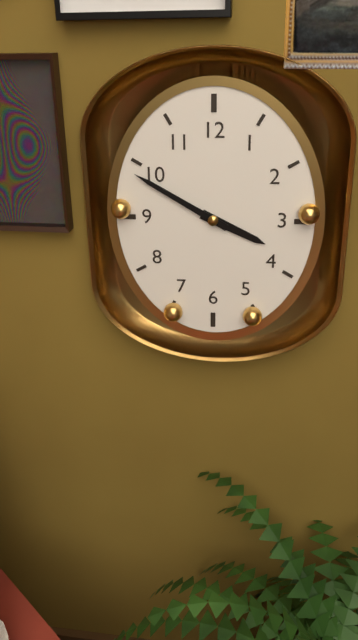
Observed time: 3:50
